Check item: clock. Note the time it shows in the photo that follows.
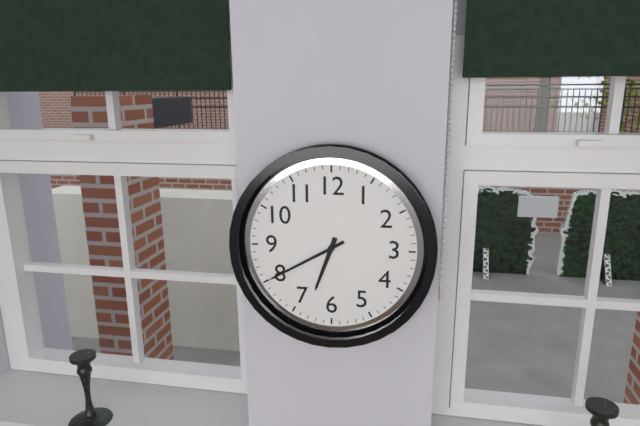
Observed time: 6:40
